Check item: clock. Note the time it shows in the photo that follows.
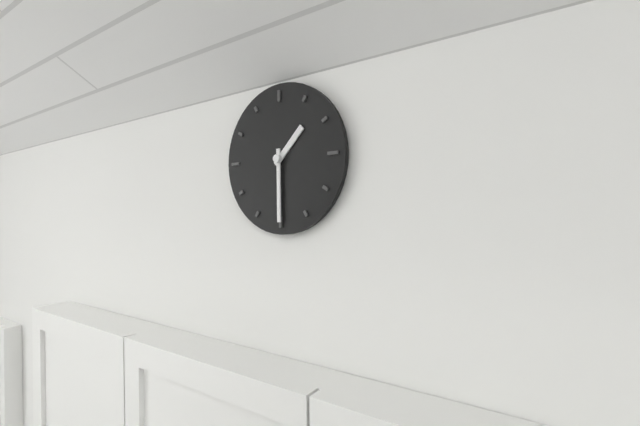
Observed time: 1:30
